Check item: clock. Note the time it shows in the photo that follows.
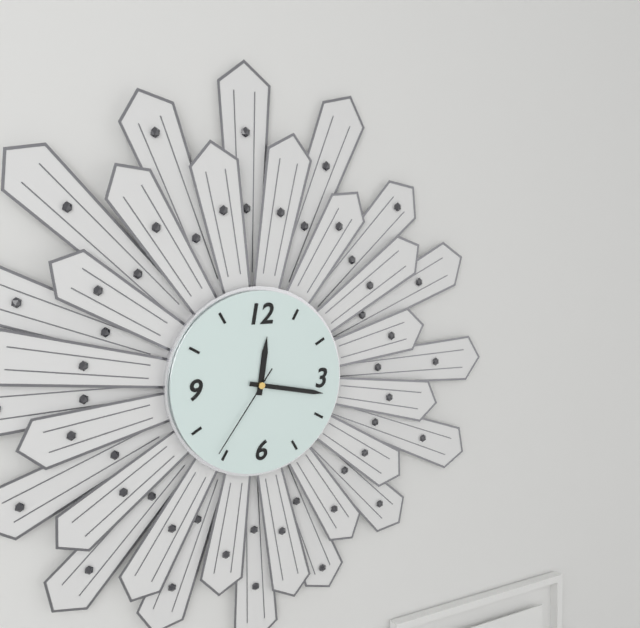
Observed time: 12:17:36
